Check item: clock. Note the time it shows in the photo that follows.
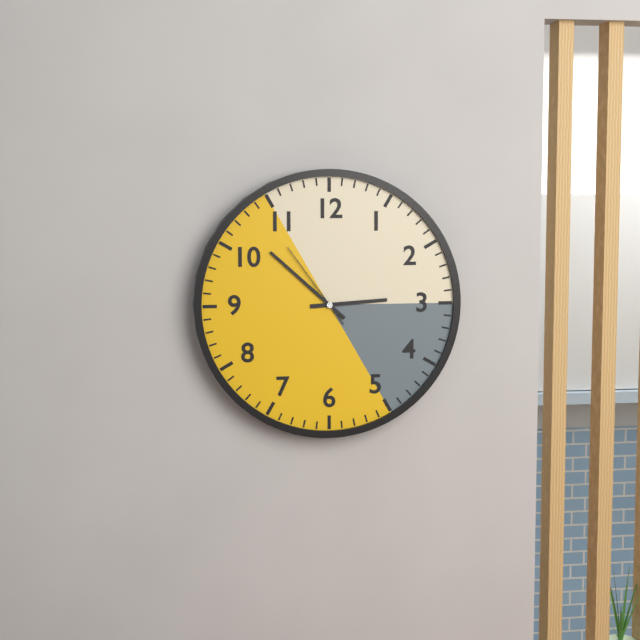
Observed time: 2:52:54
